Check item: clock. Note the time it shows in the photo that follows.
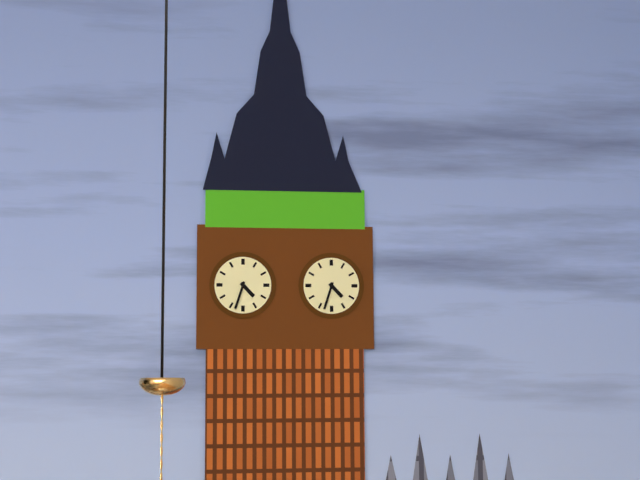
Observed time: 4:33
